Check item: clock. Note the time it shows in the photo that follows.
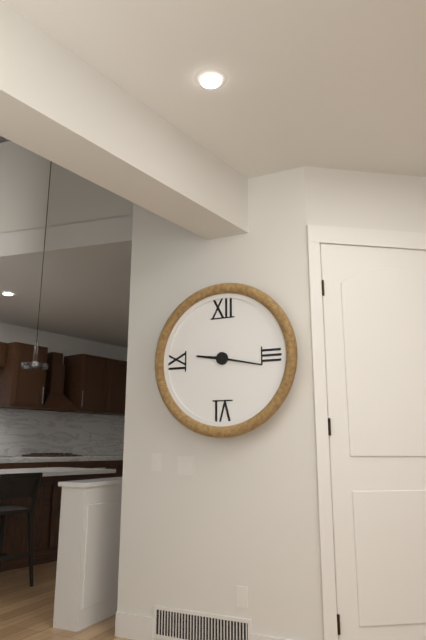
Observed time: 9:17
